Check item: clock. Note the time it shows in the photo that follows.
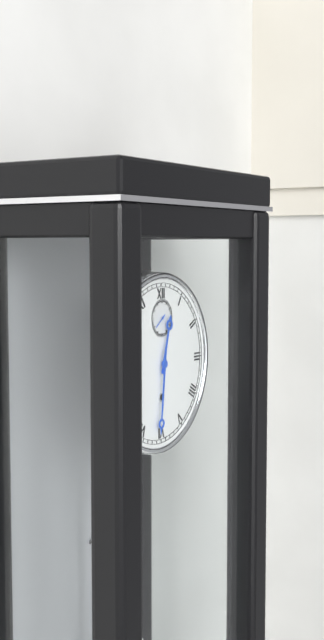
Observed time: 12:31
